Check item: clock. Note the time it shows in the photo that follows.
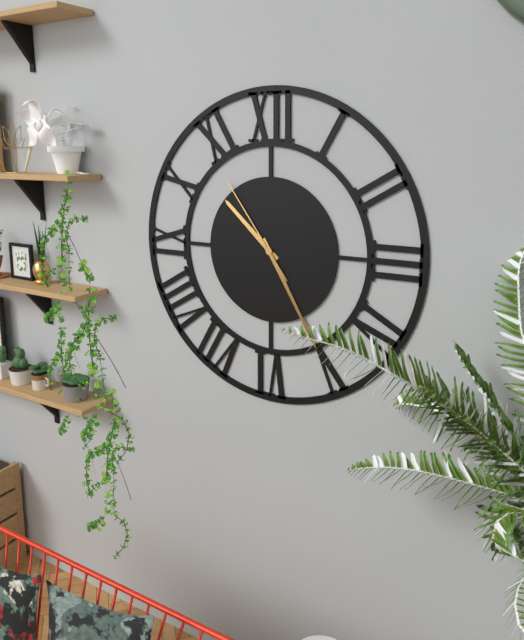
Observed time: 10:25:54
